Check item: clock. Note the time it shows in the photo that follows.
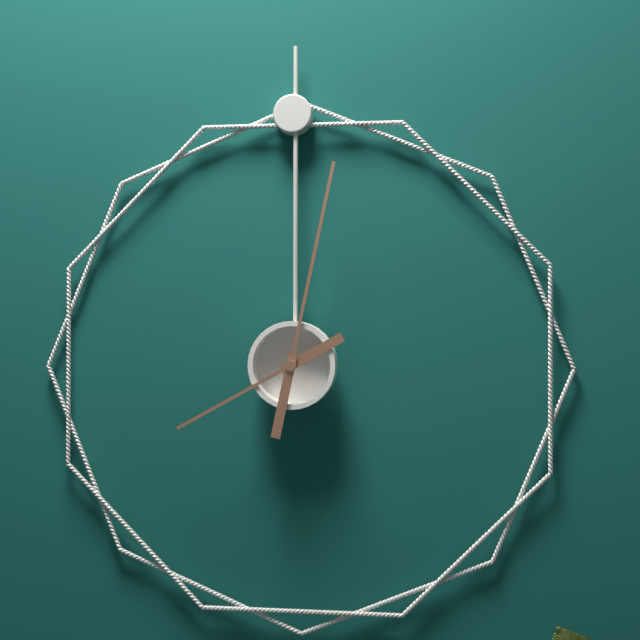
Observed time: 8:02
